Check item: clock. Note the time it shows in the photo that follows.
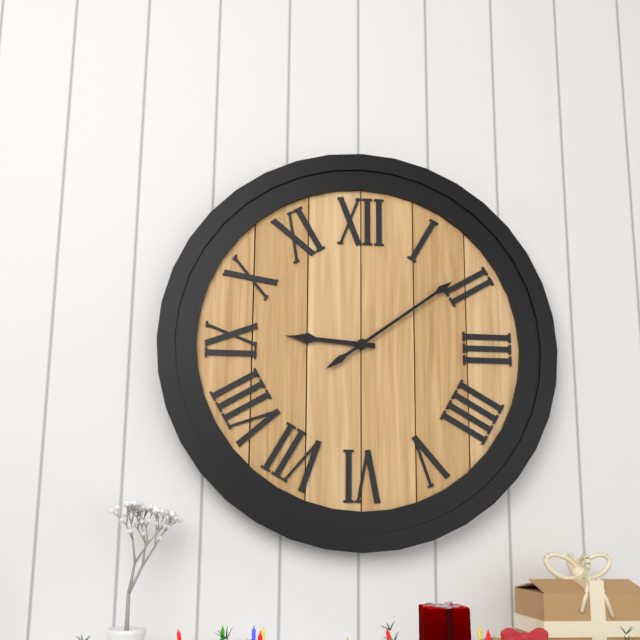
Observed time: 9:09
